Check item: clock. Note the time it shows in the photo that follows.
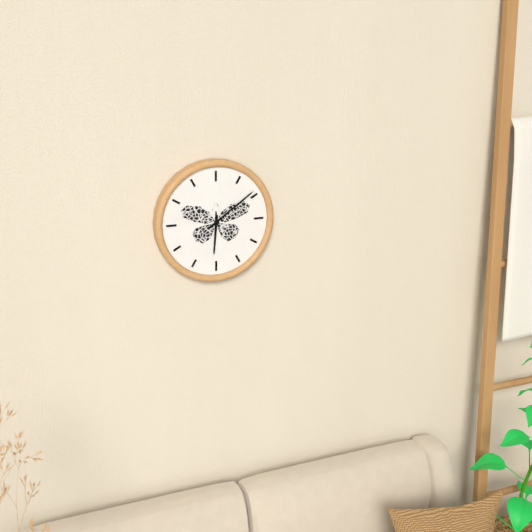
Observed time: 6:09
